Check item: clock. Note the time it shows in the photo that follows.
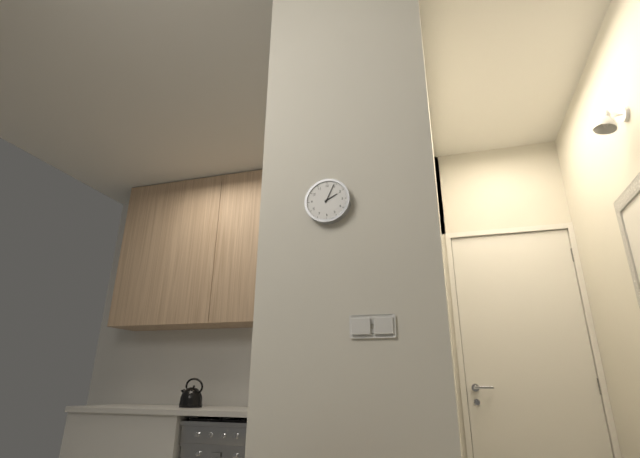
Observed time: 2:04
